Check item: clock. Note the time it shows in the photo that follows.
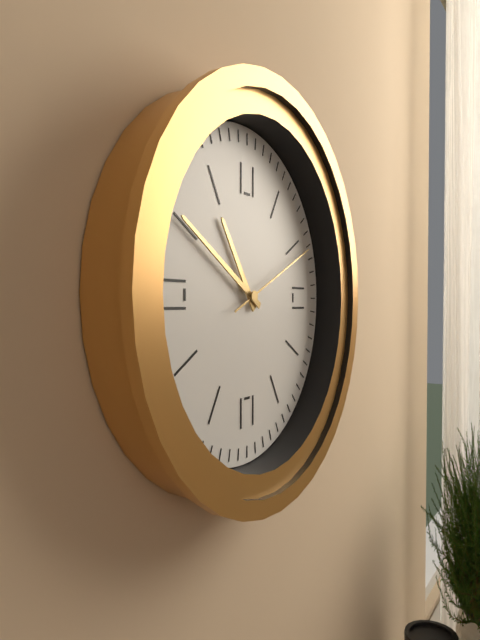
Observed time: 10:50:11
